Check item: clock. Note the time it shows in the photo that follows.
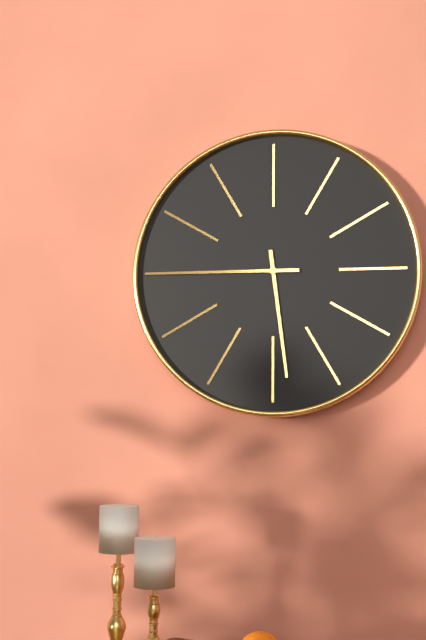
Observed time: 5:45
